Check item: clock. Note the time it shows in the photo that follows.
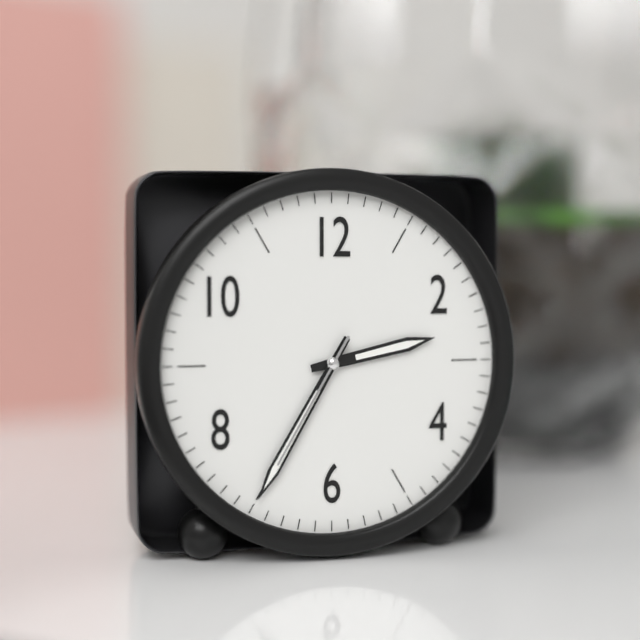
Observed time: 2:35:35
